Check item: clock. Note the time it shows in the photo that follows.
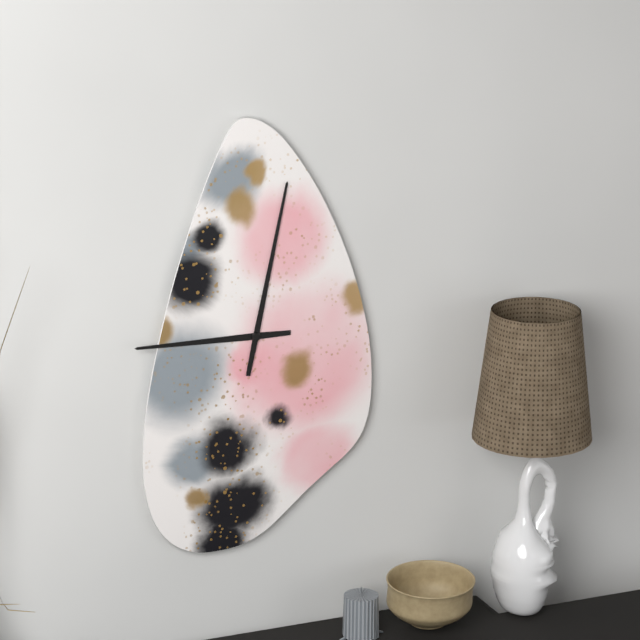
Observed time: 9:02
